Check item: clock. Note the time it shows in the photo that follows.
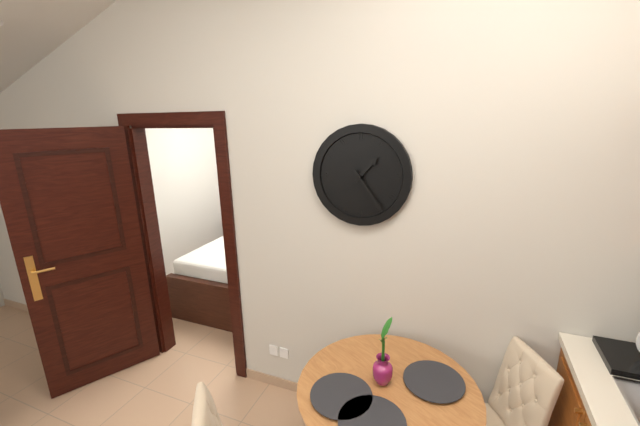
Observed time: 1:24
